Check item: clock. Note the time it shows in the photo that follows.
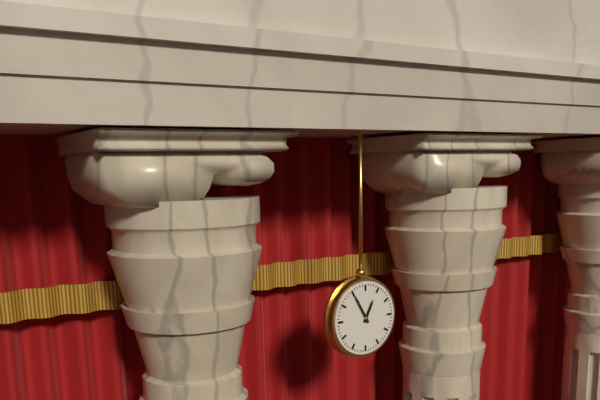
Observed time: 12:55
